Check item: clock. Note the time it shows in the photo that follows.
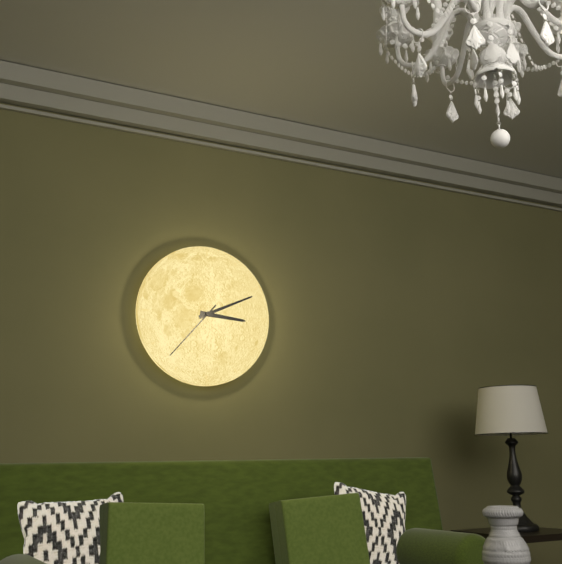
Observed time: 3:11:37
